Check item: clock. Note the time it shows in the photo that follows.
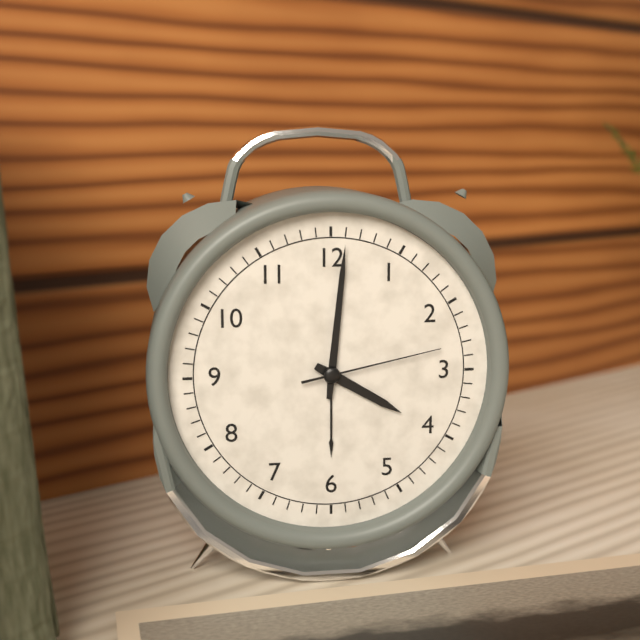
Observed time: 4:01:13
